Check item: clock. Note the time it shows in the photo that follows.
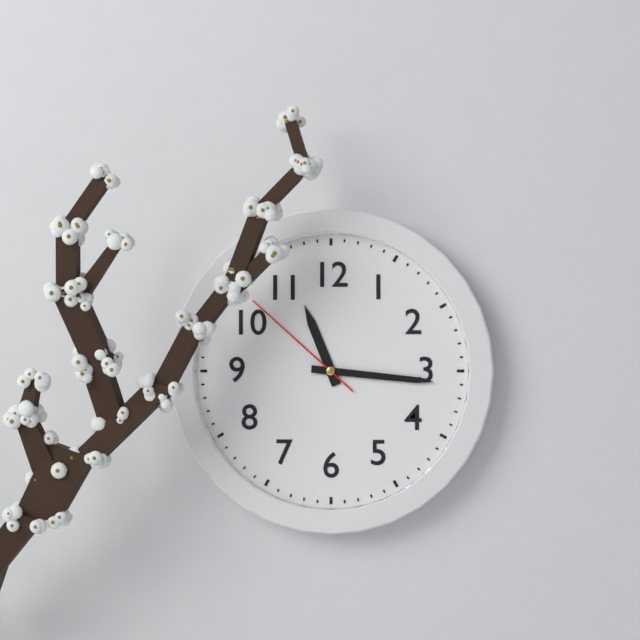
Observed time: 11:16:52
